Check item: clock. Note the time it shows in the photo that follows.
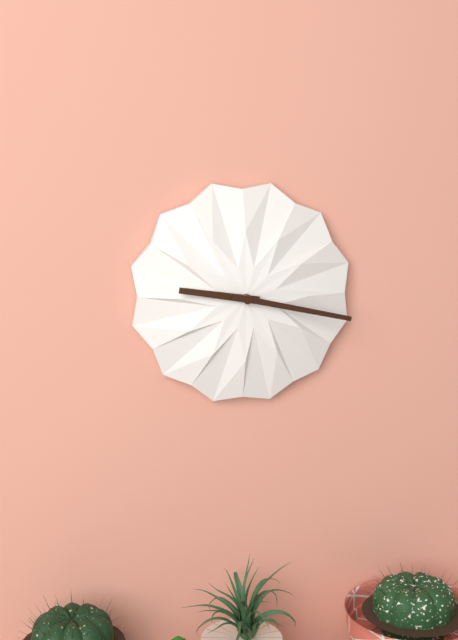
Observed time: 9:17
